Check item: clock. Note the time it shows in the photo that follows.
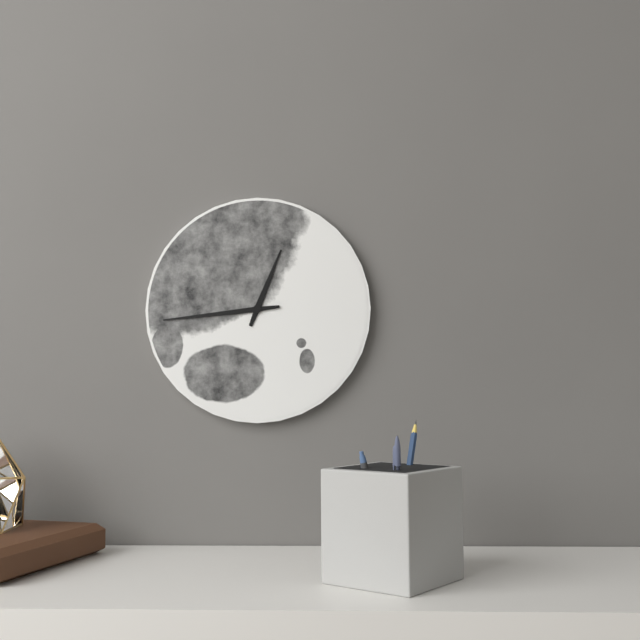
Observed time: 12:44
